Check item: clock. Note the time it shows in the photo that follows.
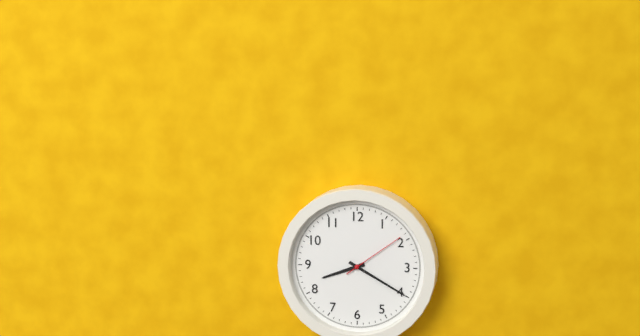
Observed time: 8:20:09
